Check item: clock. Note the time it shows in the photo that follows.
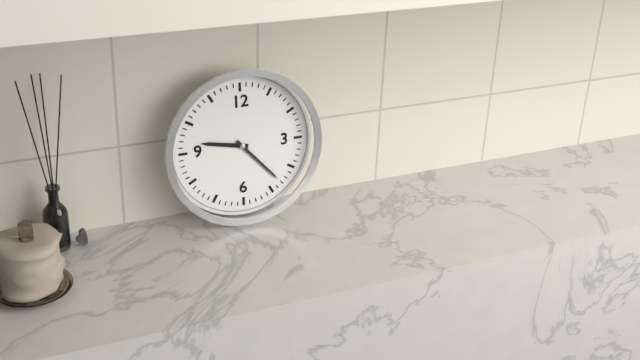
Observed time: 9:23
